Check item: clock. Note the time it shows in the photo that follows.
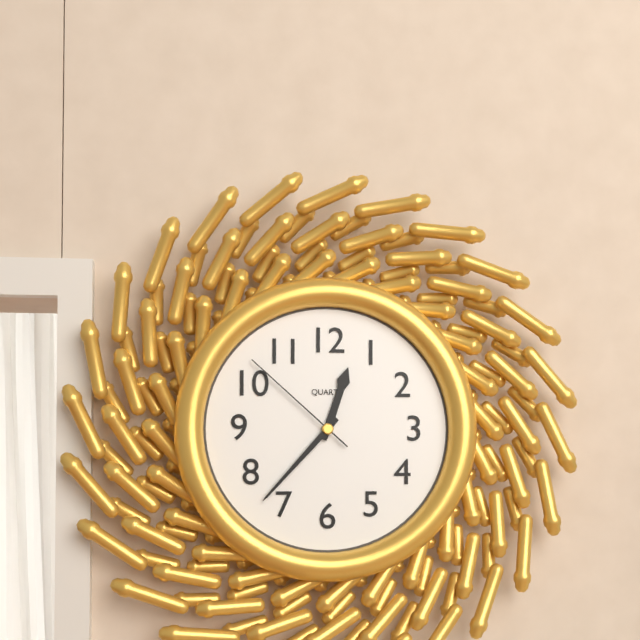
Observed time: 12:37:52
